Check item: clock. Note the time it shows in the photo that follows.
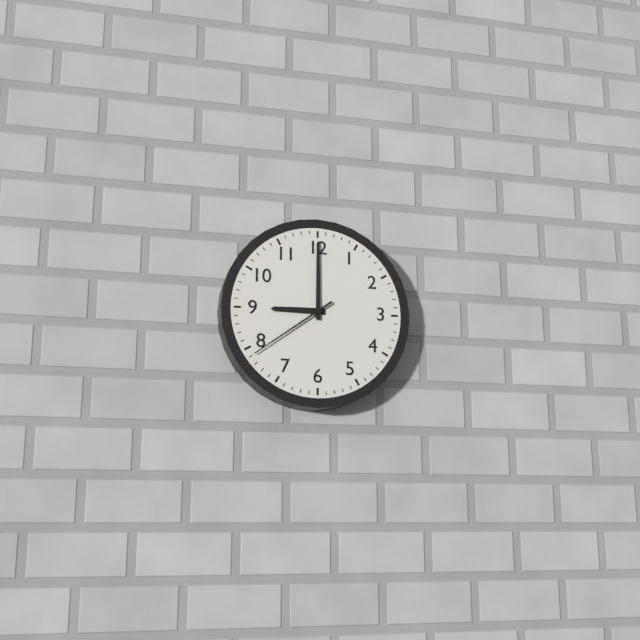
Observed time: 9:00:39
